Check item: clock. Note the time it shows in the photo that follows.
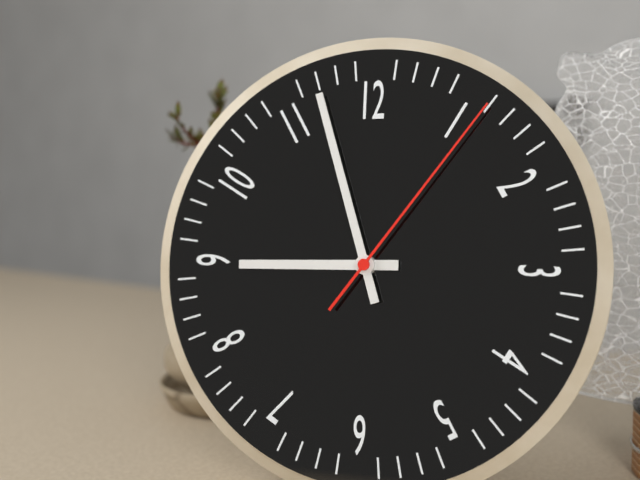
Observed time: 8:57:06
